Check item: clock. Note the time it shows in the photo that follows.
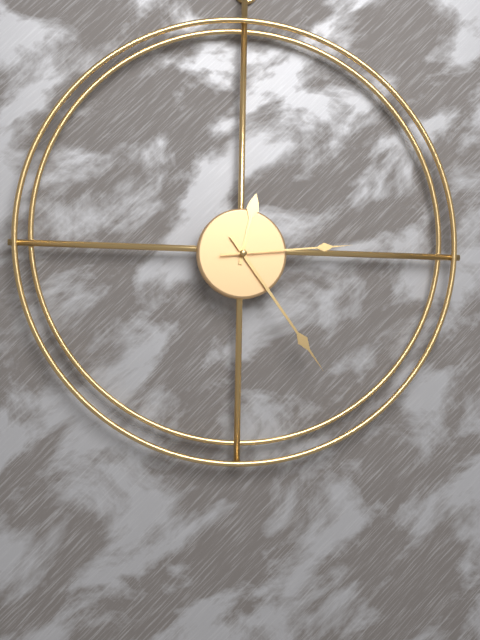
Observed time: 12:24:14
